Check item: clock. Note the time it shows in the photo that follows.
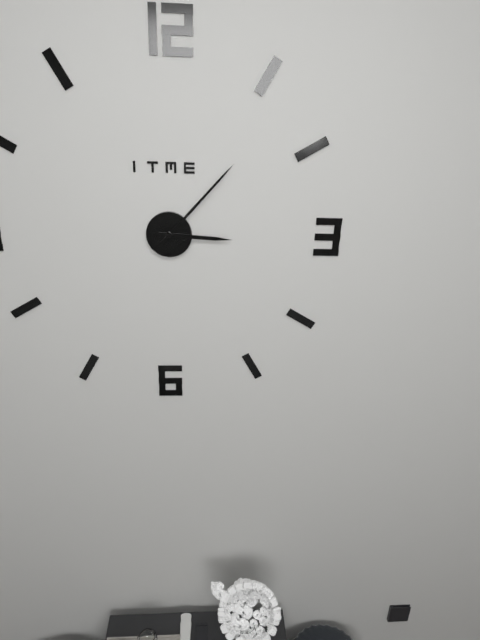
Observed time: 3:07
